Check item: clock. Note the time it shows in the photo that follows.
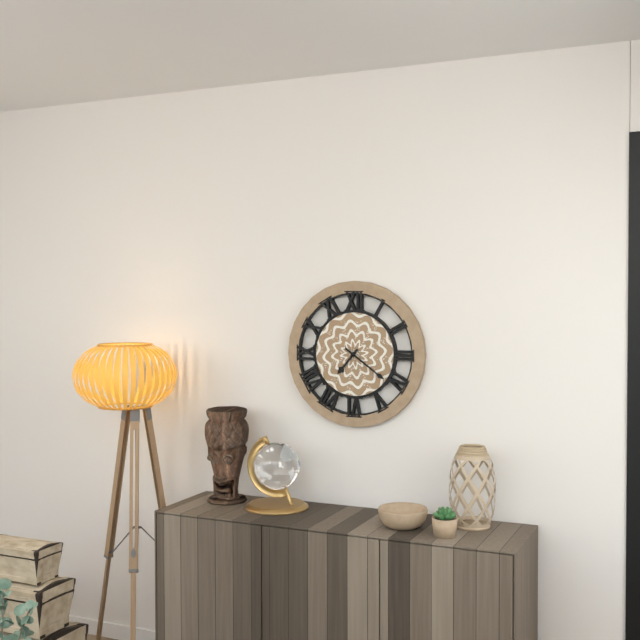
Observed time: 7:21
